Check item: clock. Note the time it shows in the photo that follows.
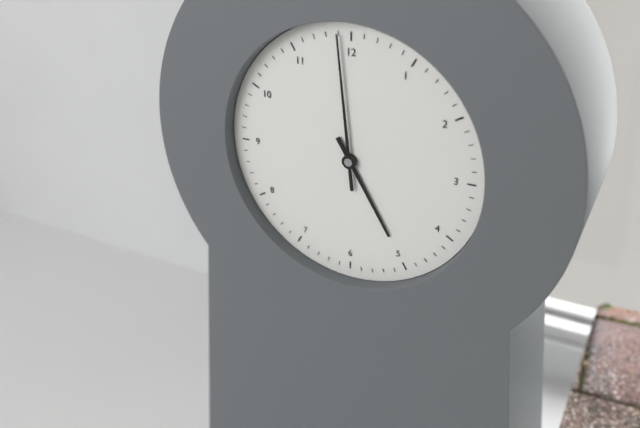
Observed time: 4:59
